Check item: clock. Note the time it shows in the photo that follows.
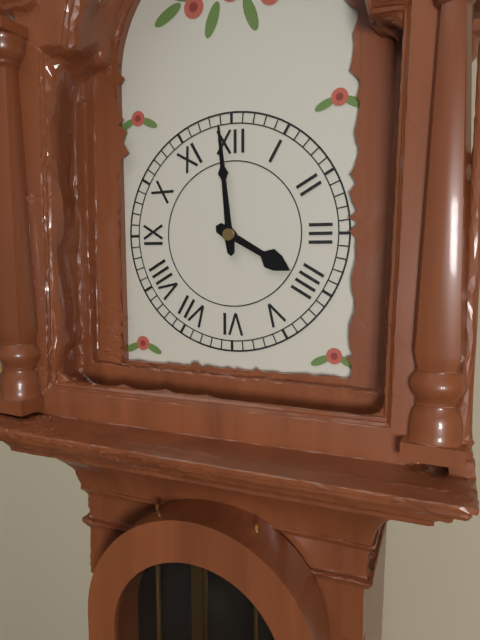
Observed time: 3:59
